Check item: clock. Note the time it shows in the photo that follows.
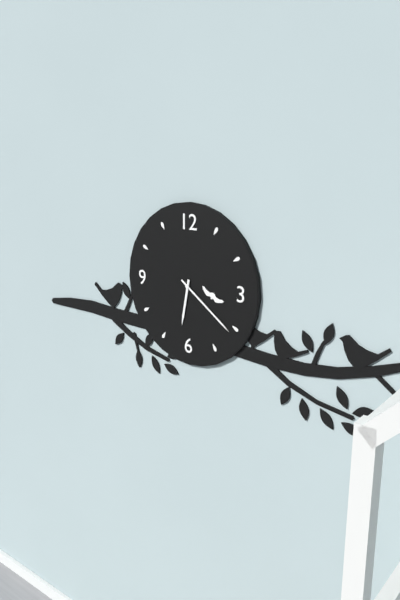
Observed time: 6:21
